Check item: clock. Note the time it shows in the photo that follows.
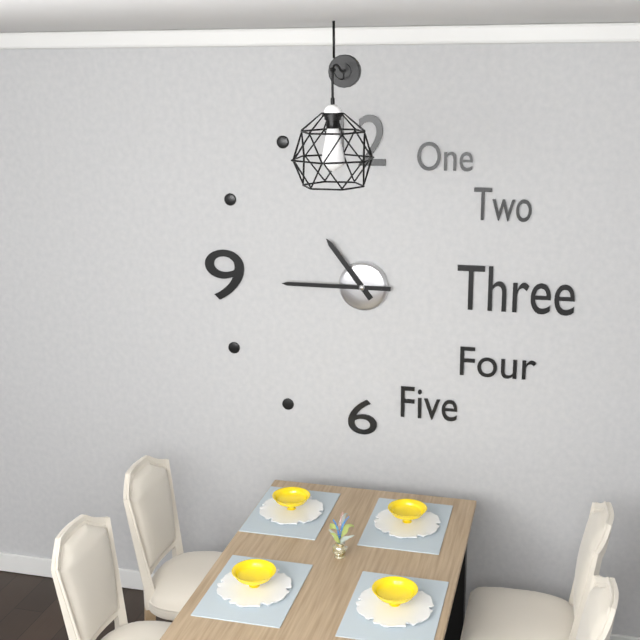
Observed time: 10:45
